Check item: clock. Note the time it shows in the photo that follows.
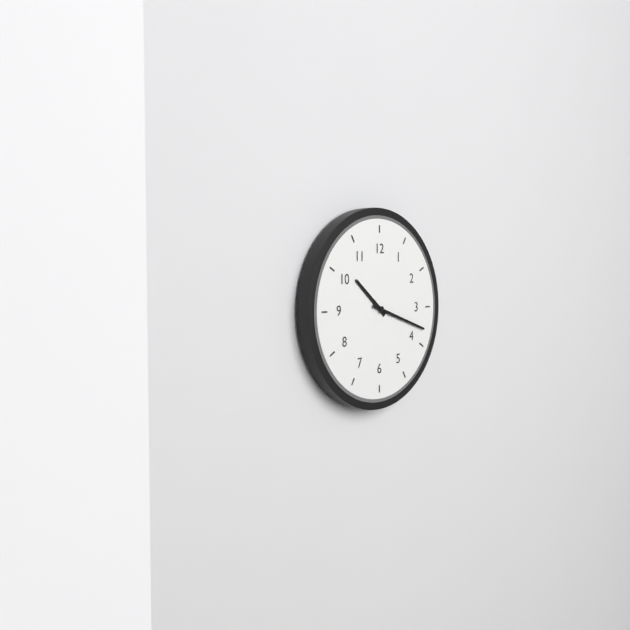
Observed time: 10:18
